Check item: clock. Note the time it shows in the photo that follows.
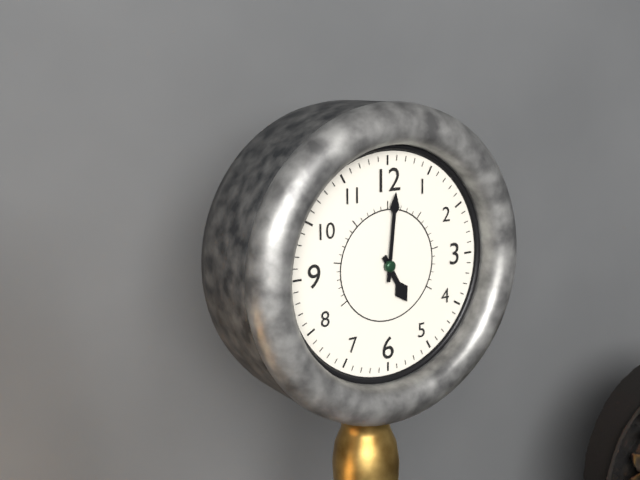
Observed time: 5:01
